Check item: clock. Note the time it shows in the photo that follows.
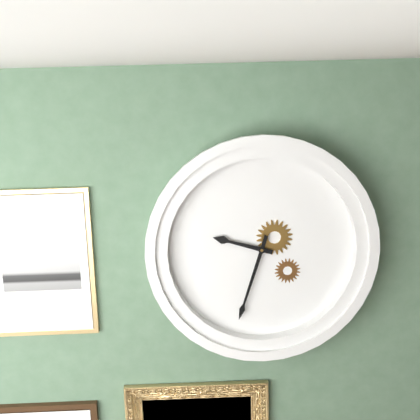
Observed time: 9:33
